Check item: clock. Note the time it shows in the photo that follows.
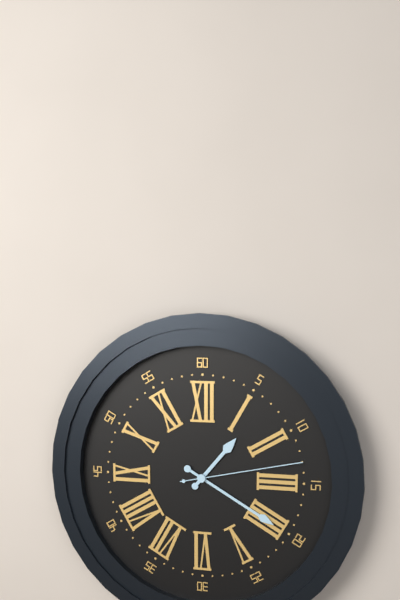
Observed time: 1:20:13
